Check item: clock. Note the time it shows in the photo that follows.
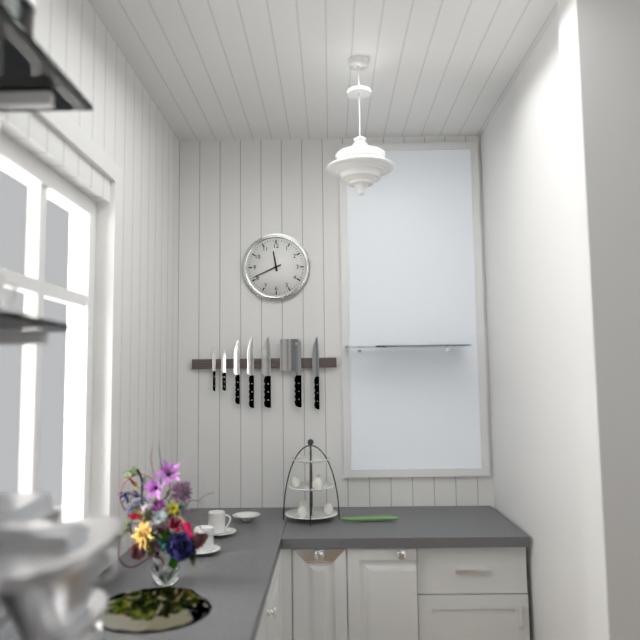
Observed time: 11:41
